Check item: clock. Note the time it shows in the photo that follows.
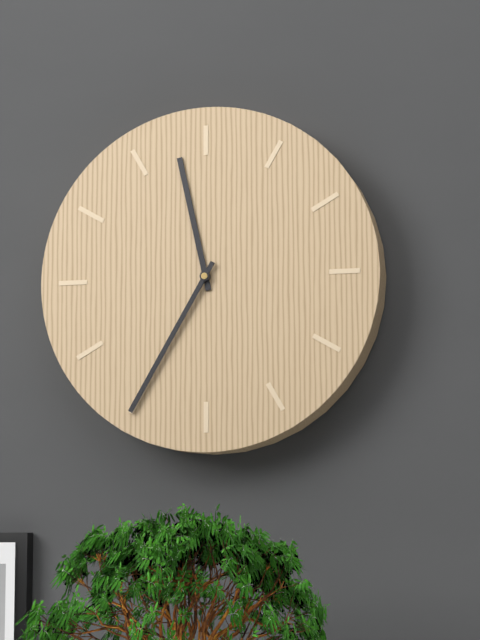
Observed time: 11:35
